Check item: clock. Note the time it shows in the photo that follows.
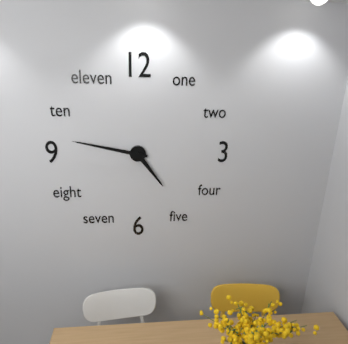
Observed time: 4:47
